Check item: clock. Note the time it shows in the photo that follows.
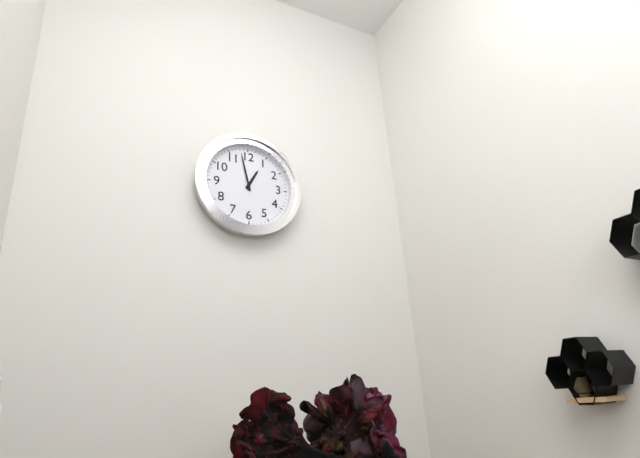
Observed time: 12:58
